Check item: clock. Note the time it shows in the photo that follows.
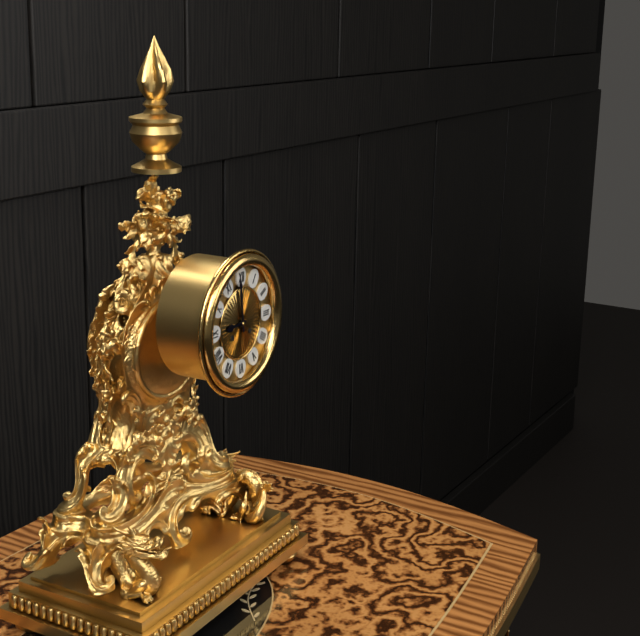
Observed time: 8:59
